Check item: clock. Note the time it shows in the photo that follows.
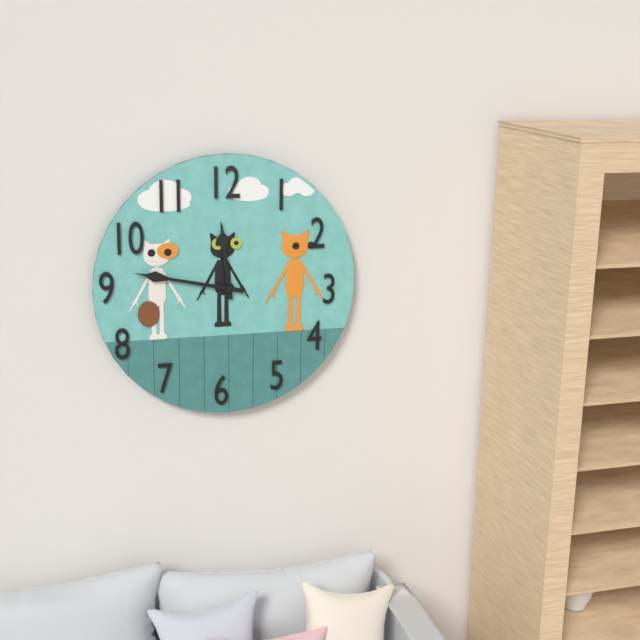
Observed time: 11:47
